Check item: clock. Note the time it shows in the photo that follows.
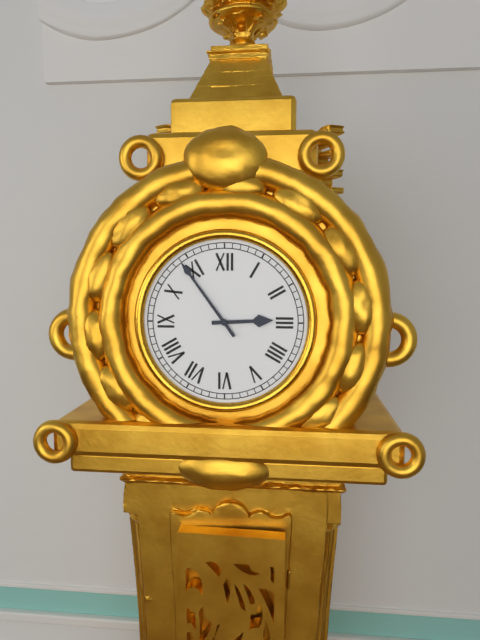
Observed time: 2:54
